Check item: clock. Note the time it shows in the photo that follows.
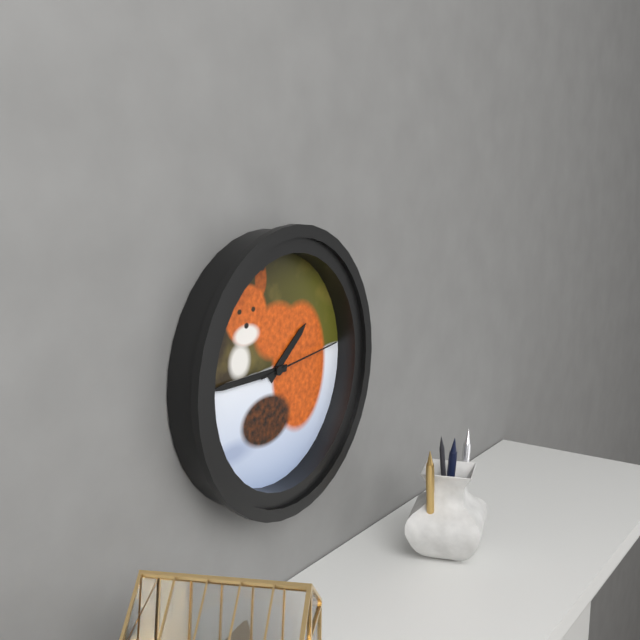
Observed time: 1:45:14
